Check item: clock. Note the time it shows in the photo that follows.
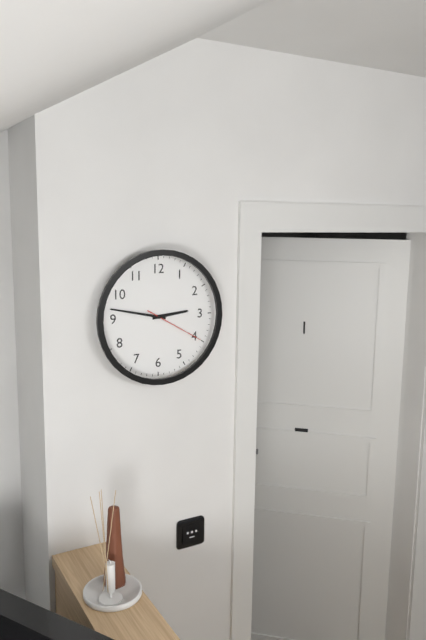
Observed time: 2:47:20
